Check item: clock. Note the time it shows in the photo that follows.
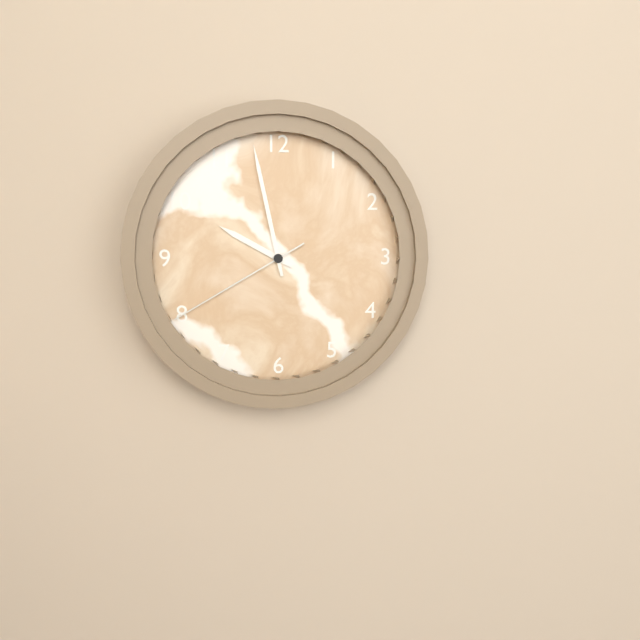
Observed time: 9:58:40
